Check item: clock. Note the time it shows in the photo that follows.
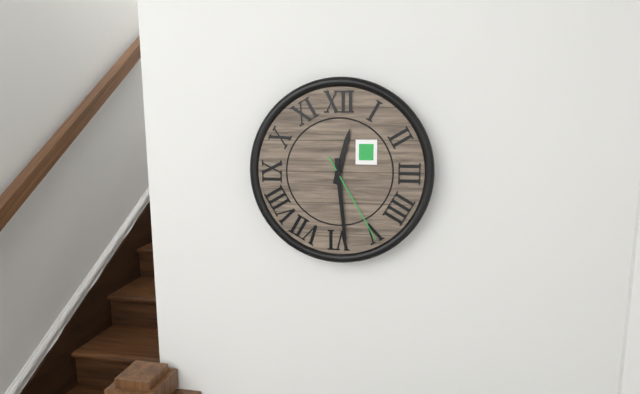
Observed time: 12:29:25
